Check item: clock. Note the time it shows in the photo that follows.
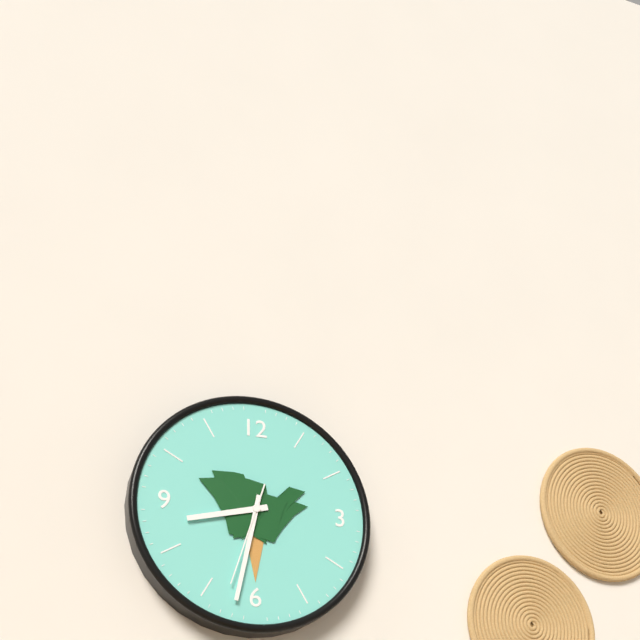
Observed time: 8:32:33
